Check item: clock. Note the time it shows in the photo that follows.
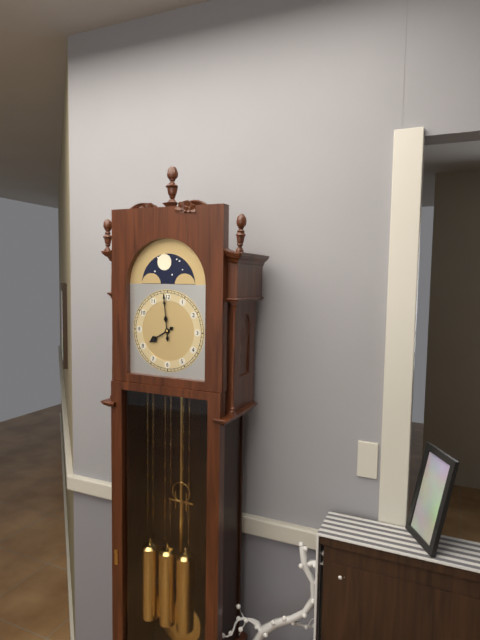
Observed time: 7:59
